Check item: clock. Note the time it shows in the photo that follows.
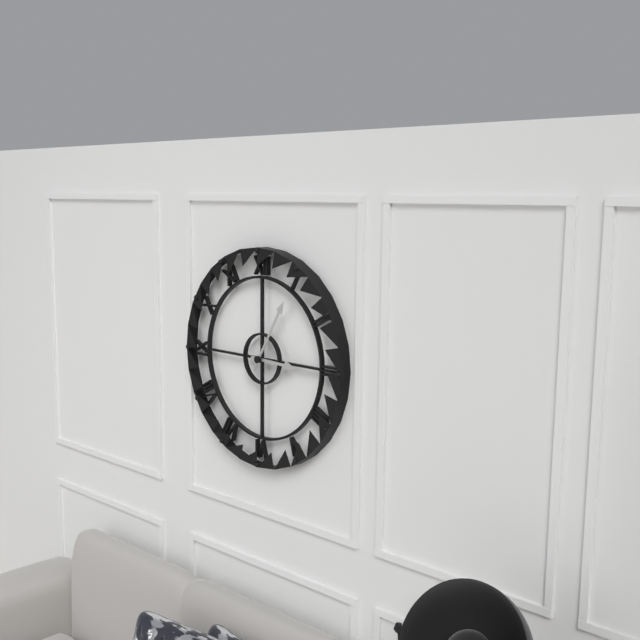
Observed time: 3:05
